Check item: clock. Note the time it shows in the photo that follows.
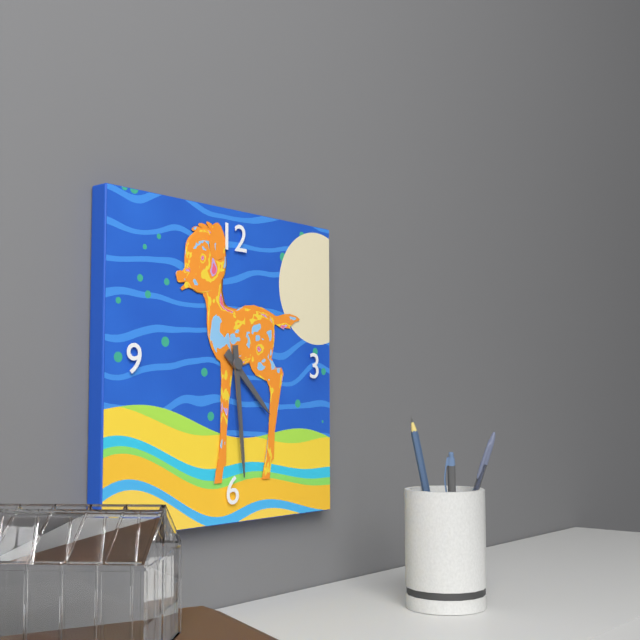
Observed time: 4:29
